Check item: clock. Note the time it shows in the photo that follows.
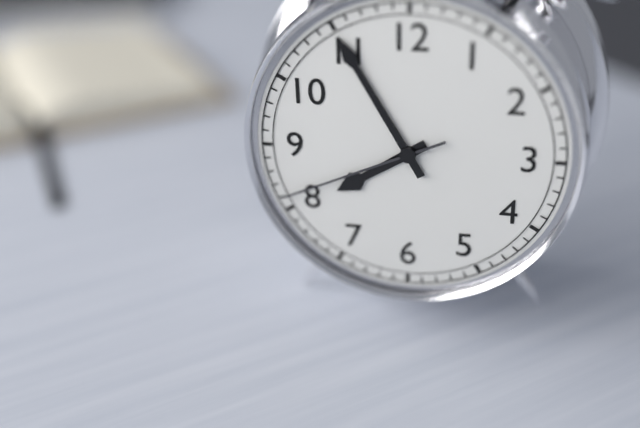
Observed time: 7:55:41
